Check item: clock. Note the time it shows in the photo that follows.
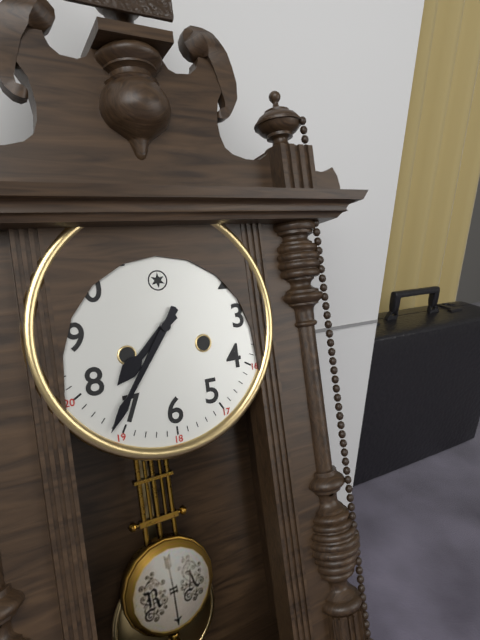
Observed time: 7:36
